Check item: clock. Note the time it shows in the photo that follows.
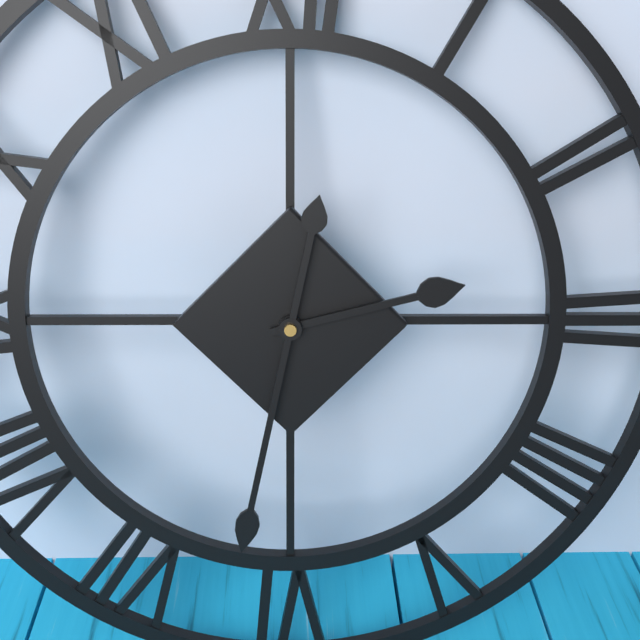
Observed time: 2:32
